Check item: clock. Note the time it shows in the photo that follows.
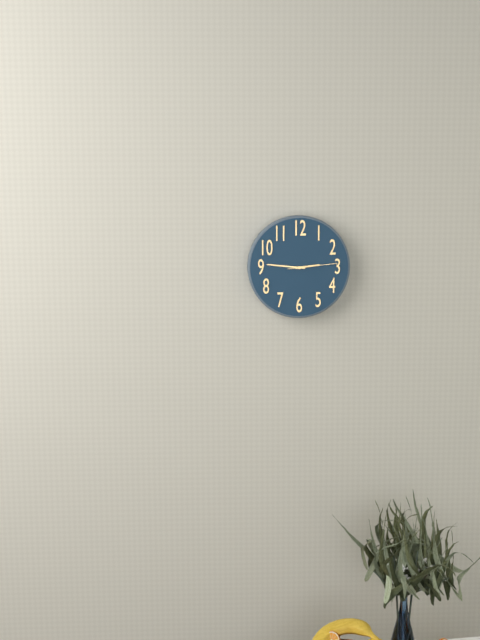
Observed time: 2:46:14
